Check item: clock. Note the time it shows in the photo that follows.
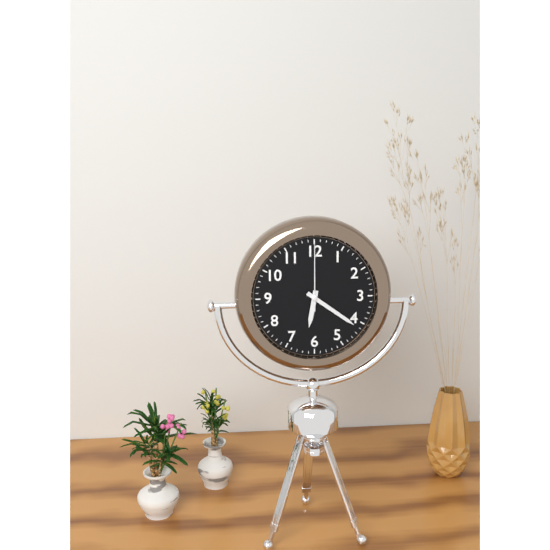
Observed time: 6:21:00
